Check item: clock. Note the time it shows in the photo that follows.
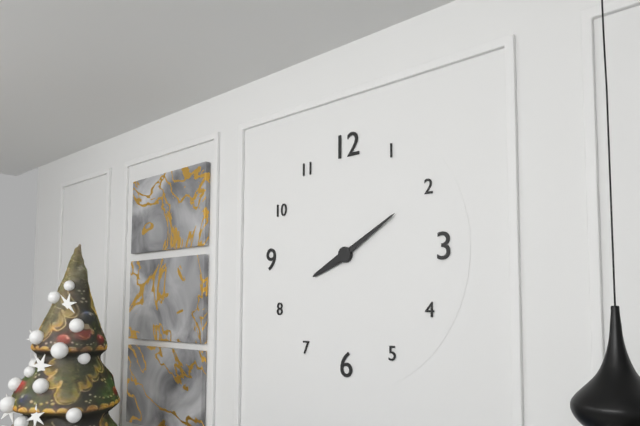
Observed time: 8:10
